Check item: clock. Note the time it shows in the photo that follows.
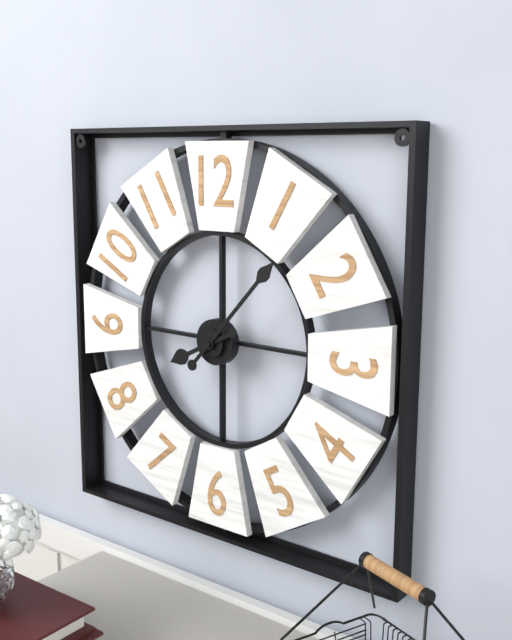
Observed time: 8:07
